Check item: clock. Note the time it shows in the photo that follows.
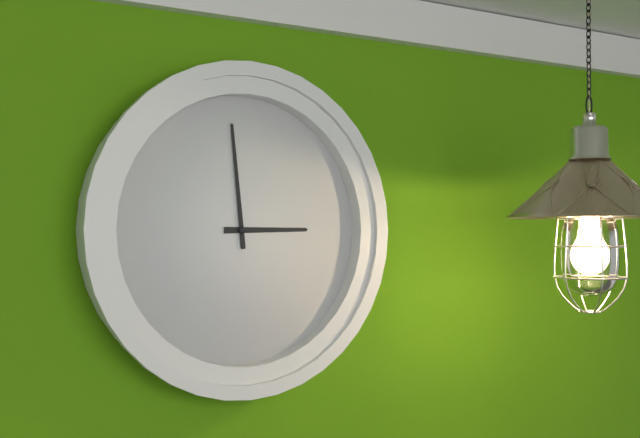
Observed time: 2:59
